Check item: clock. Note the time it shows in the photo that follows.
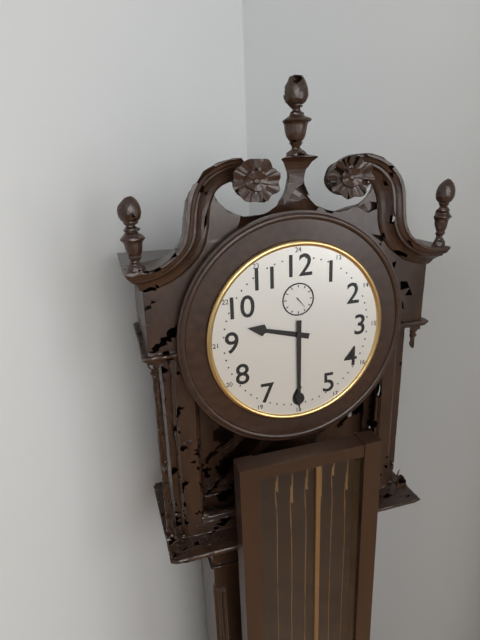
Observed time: 9:30
